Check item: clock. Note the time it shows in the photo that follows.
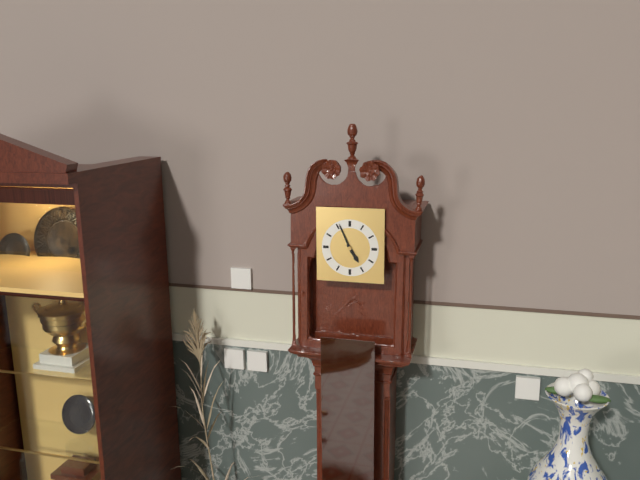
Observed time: 4:56
